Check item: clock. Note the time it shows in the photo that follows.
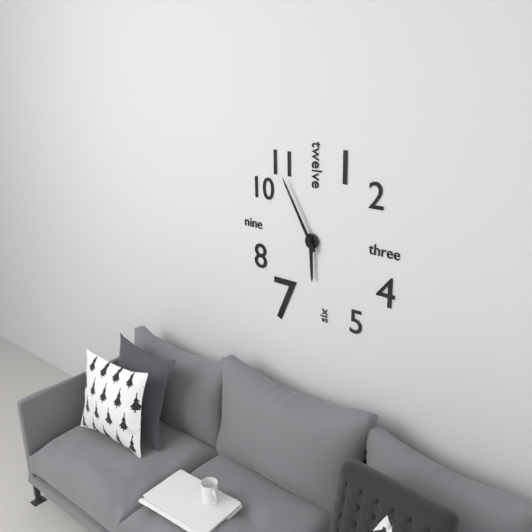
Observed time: 5:55
